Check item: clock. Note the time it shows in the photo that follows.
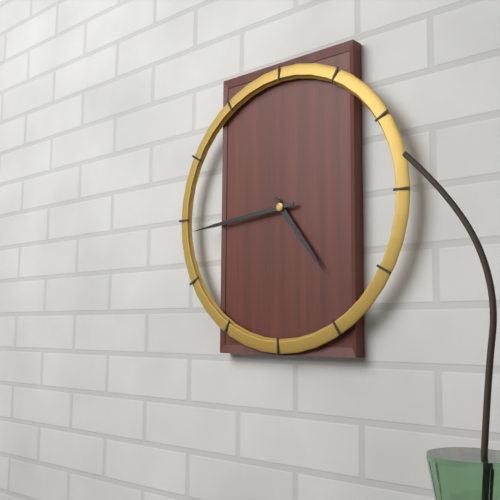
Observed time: 4:44
